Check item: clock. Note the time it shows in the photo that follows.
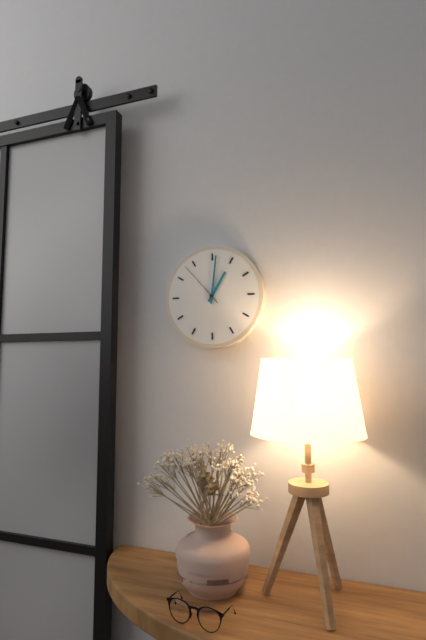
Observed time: 1:01
